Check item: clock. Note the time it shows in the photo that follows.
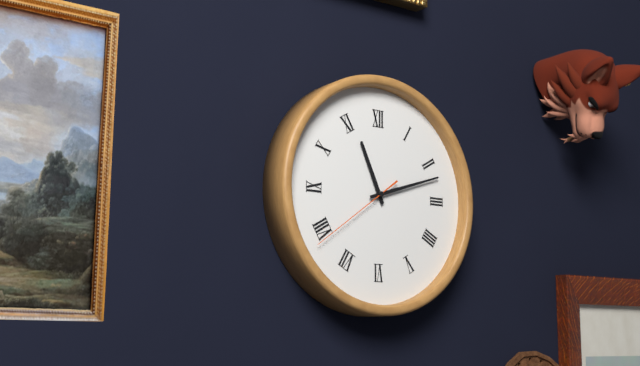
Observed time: 11:12:39
